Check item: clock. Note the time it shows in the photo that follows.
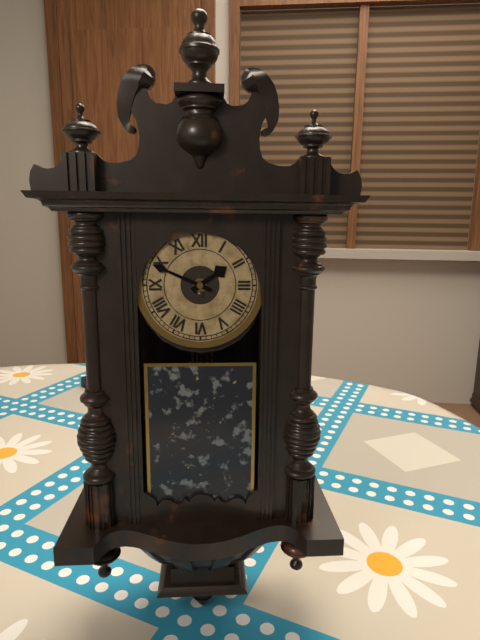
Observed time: 1:49
